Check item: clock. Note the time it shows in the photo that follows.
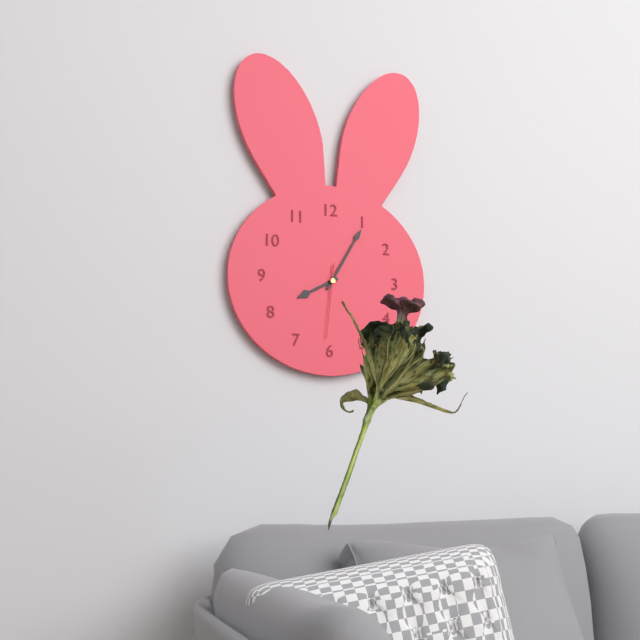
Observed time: 8:05:31
